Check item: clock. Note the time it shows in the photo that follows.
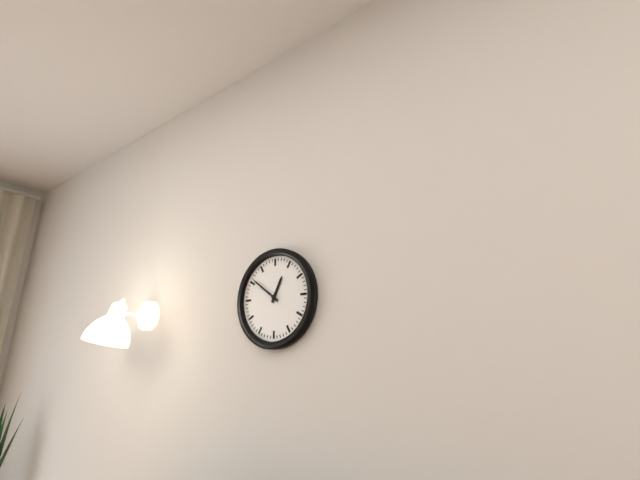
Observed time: 12:51
